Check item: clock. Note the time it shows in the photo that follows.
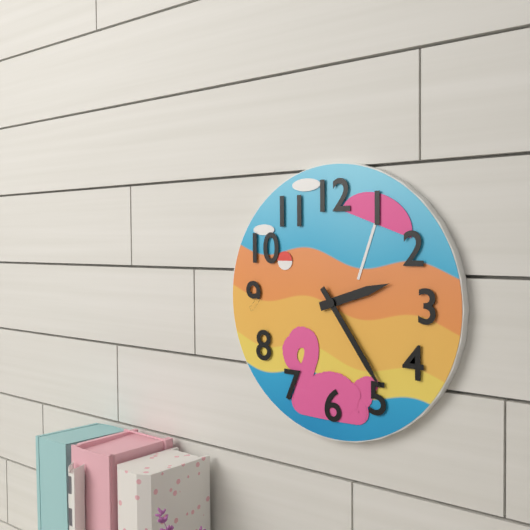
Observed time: 2:24
